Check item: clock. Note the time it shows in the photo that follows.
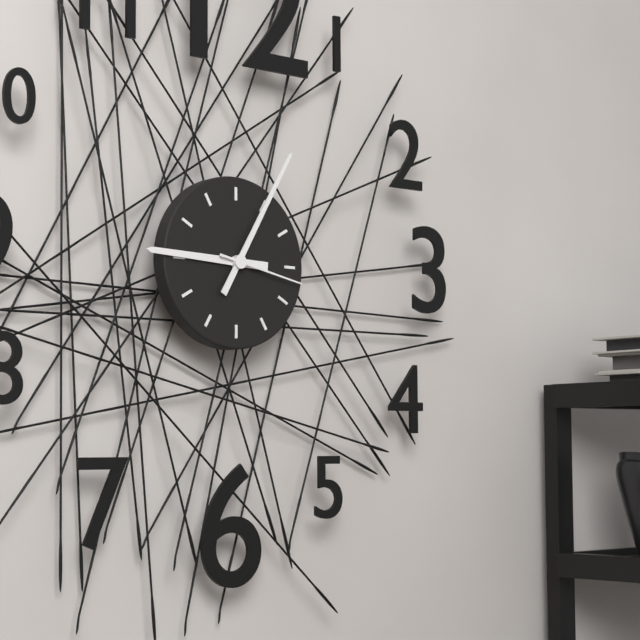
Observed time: 9:05:17
